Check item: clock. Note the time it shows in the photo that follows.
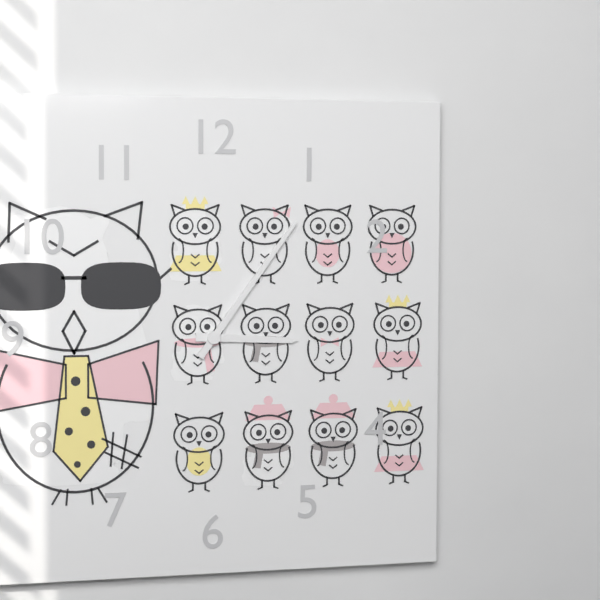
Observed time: 3:06
